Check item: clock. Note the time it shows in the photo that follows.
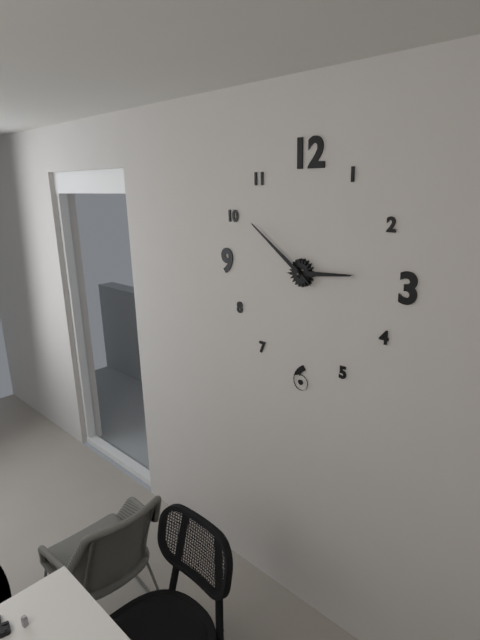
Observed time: 2:51
